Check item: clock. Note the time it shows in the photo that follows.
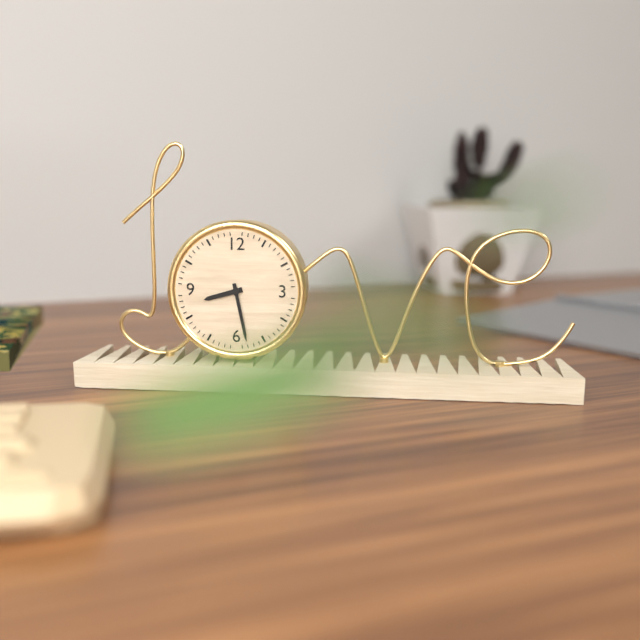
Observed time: 8:28
